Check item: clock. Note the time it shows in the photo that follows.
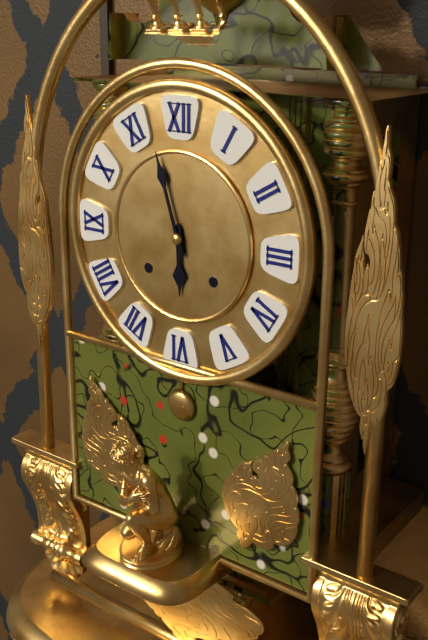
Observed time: 5:57
